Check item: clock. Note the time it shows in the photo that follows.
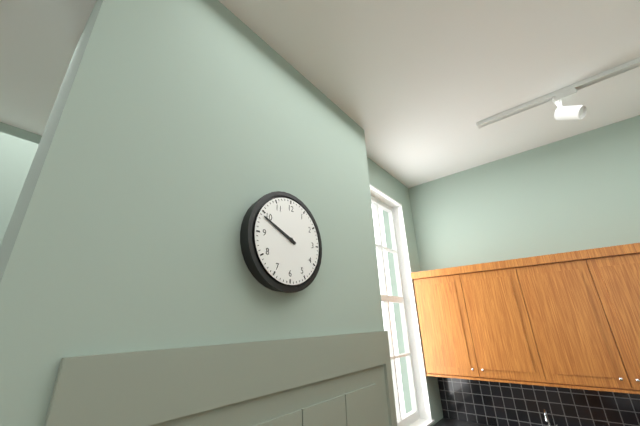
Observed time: 9:49
